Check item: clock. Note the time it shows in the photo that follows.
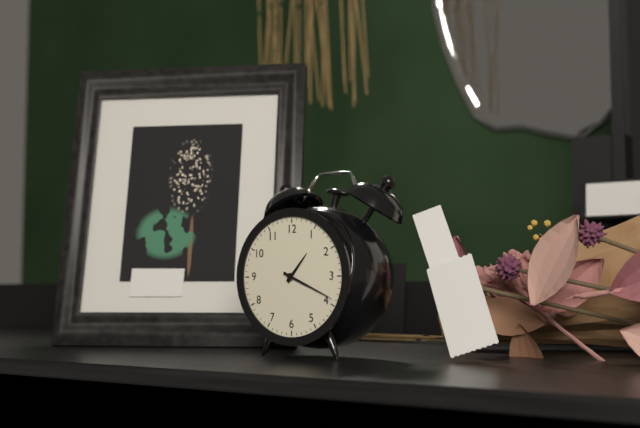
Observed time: 1:19
